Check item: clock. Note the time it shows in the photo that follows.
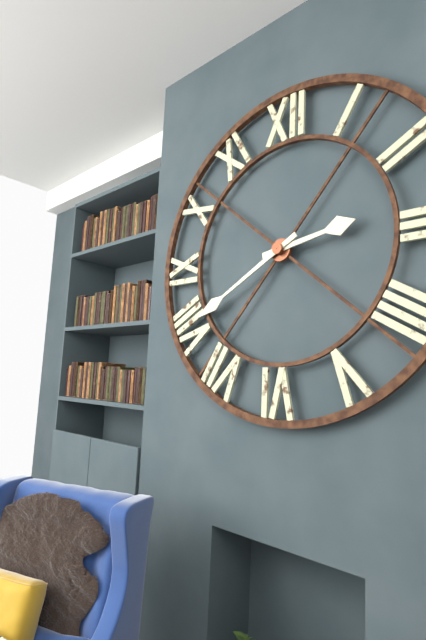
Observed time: 2:40
